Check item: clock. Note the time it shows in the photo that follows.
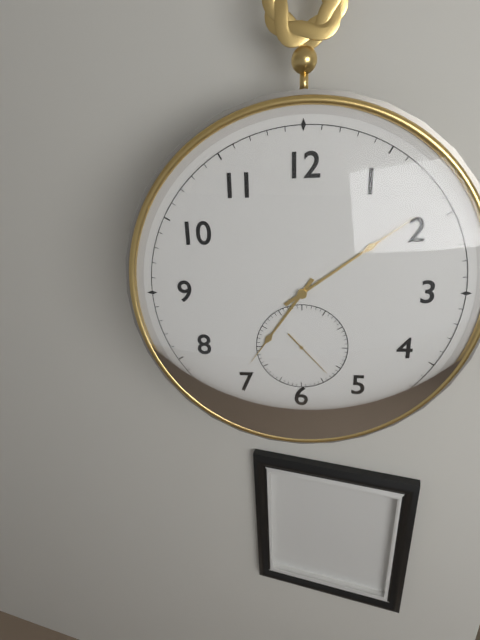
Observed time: 7:09
